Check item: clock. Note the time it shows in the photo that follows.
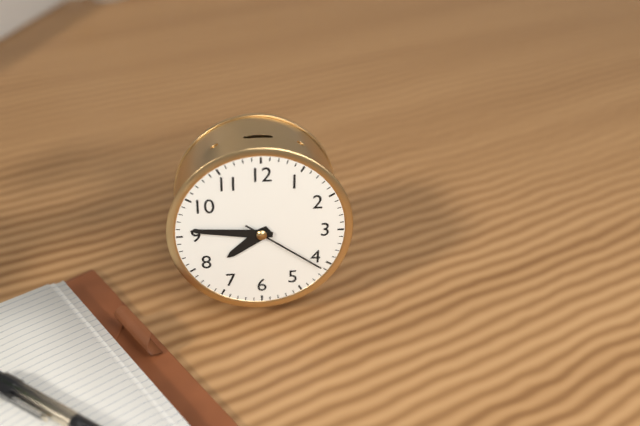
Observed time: 7:46:21
